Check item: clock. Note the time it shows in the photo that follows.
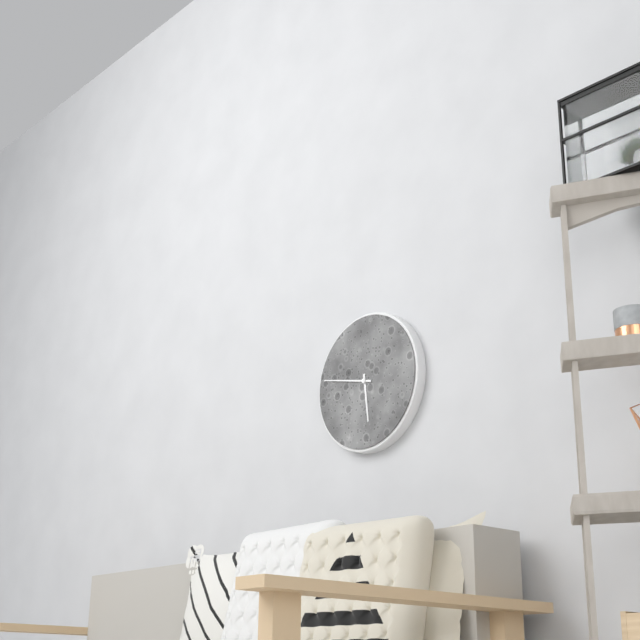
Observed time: 5:47
